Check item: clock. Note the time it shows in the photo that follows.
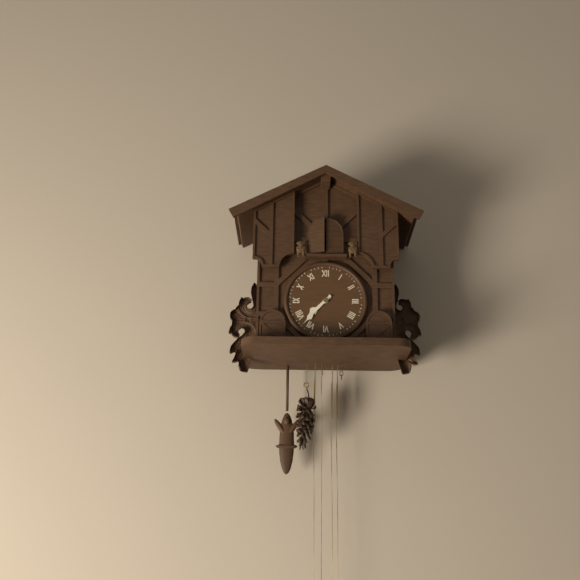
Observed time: 7:37
